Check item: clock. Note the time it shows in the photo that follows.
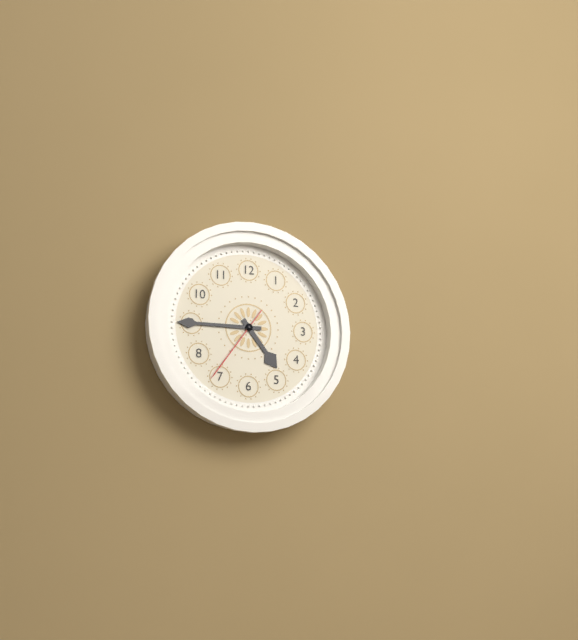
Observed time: 4:45:36
